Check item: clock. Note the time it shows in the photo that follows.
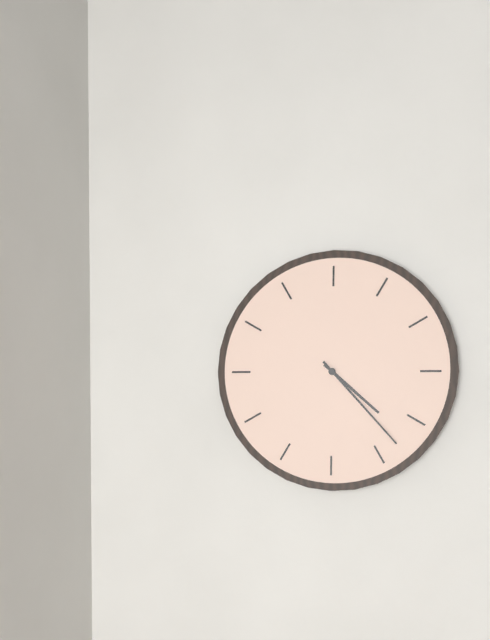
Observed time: 4:23
